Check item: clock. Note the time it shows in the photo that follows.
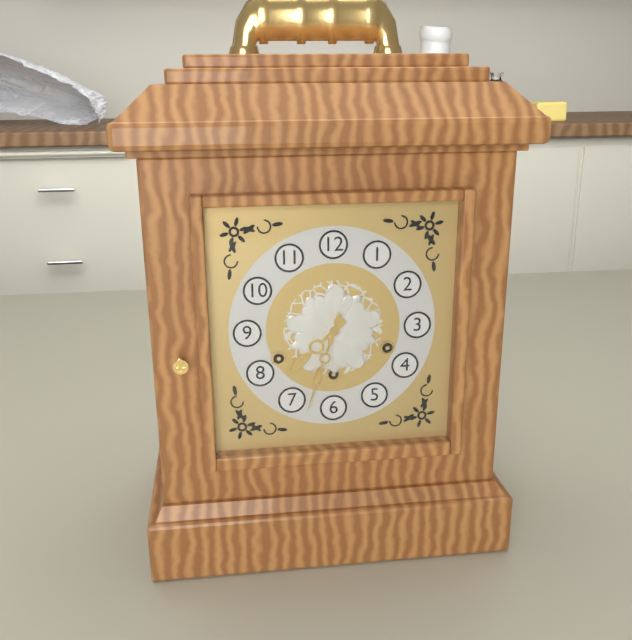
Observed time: 7:33
